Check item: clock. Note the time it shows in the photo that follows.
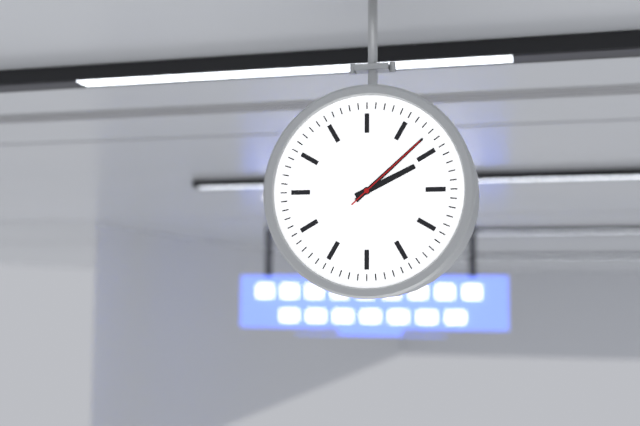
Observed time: 2:08:08
